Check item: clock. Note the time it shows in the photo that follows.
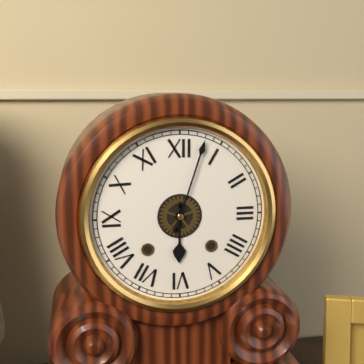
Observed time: 6:03
